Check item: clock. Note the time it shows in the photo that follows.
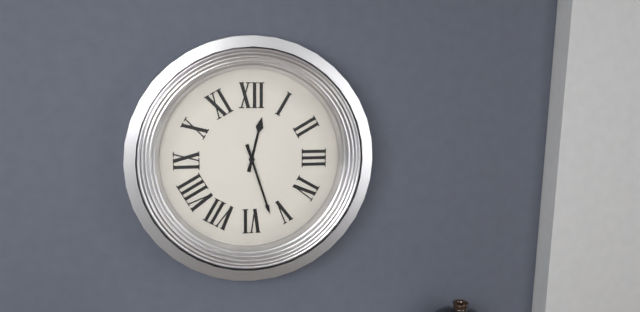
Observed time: 12:27
